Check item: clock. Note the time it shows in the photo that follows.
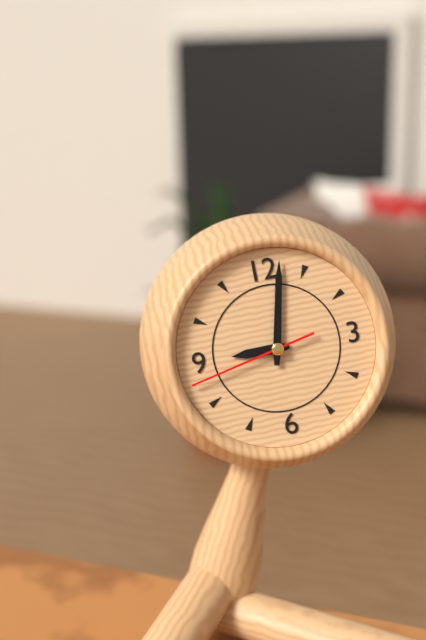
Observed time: 9:02:43
